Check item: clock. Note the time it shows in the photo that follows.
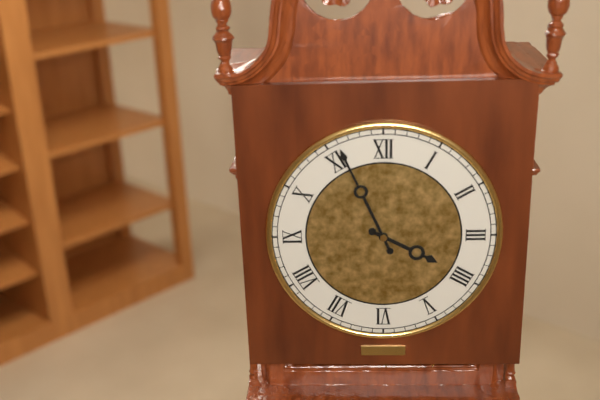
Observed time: 3:56
